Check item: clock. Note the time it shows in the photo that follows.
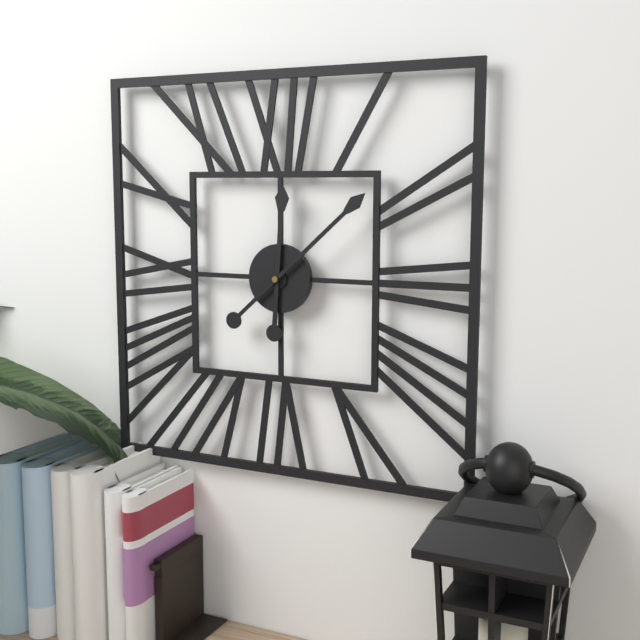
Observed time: 12:08
